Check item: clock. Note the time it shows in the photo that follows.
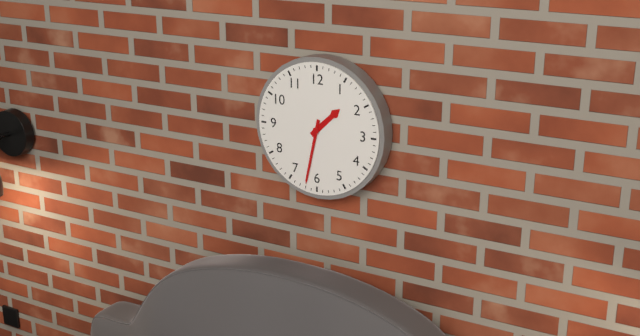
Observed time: 1:32
